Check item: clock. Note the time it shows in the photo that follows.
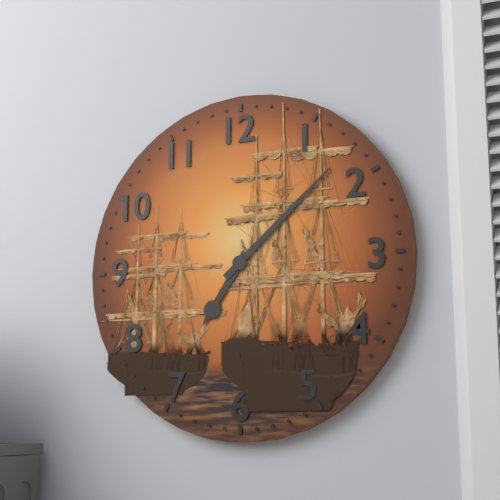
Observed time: 7:08
